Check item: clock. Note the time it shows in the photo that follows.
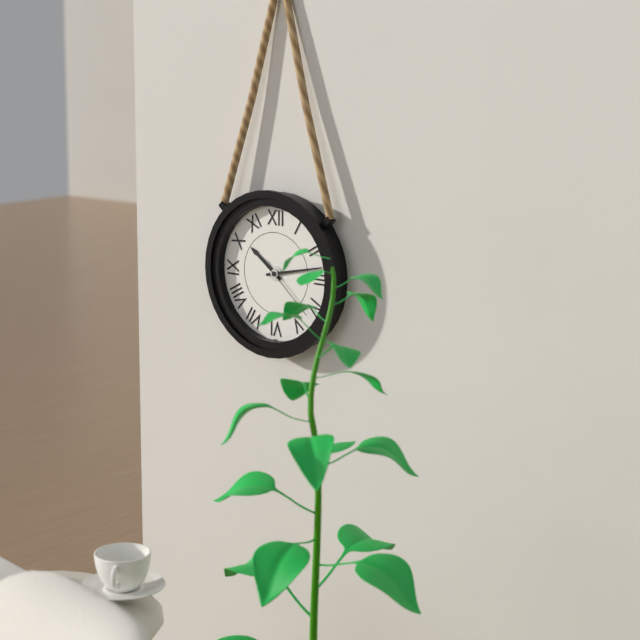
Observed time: 10:13:22
